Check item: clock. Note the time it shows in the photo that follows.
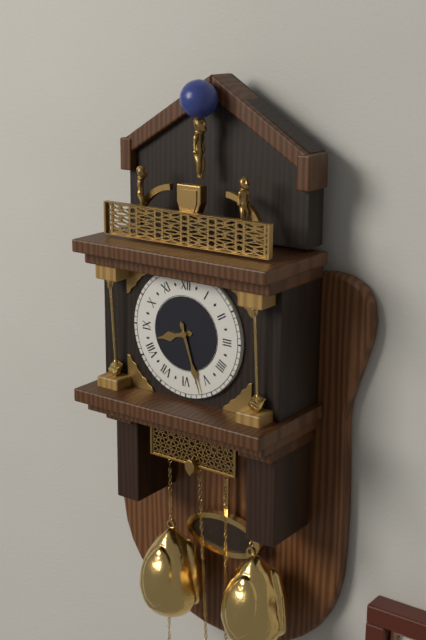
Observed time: 8:27
